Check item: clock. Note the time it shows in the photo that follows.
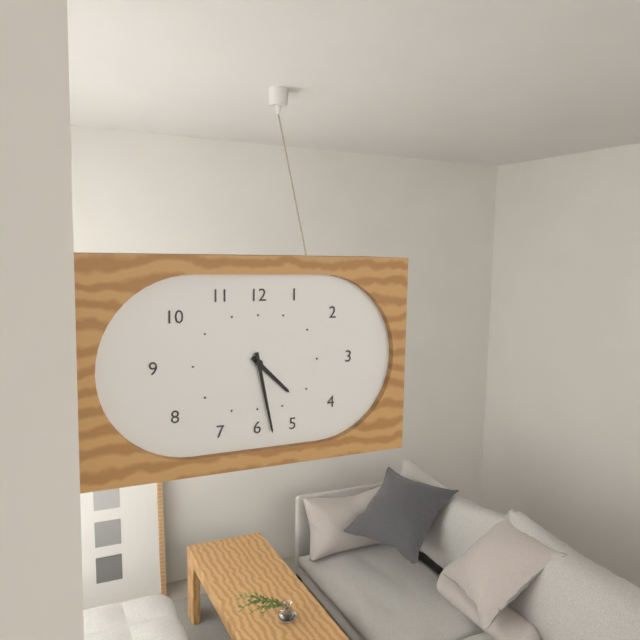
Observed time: 4:28
